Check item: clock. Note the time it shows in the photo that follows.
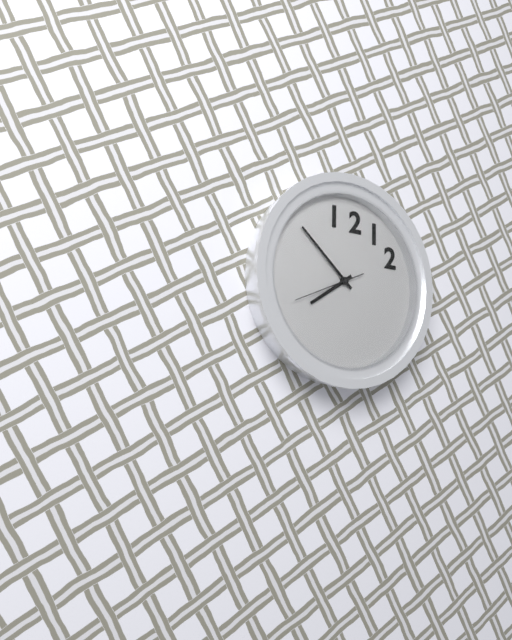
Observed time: 7:52:41
